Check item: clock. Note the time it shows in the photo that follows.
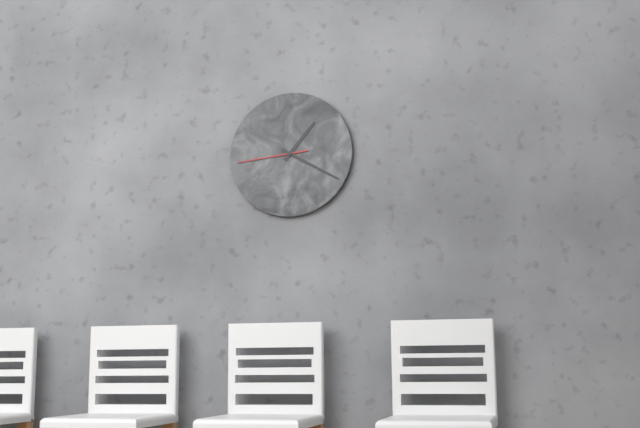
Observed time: 1:20:44
